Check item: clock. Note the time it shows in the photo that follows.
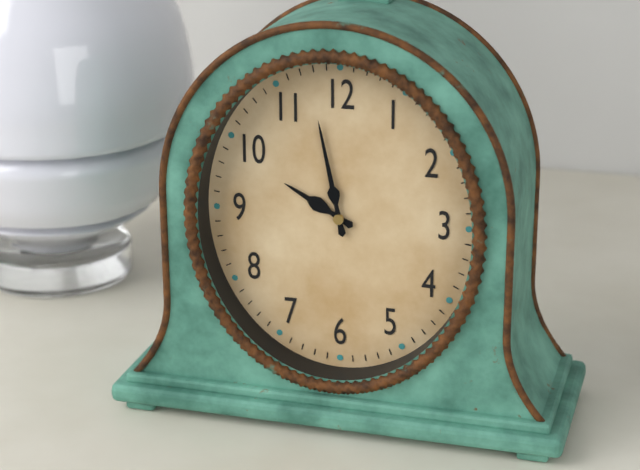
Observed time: 9:58
